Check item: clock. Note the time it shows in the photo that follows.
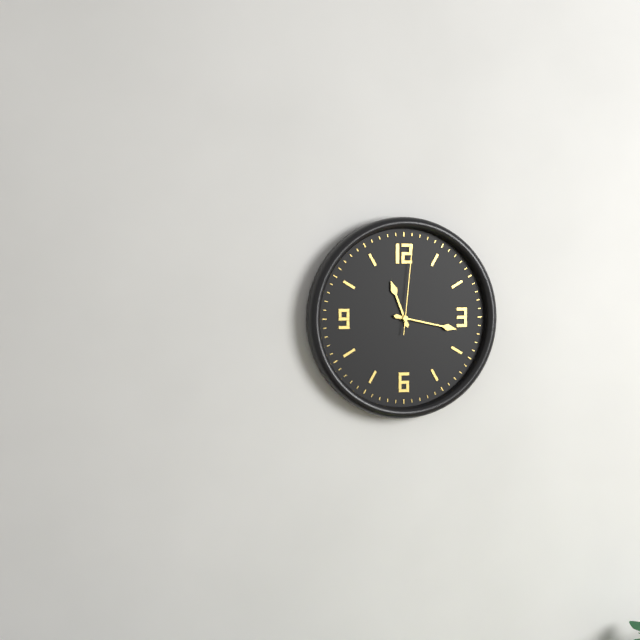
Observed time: 11:17:01
